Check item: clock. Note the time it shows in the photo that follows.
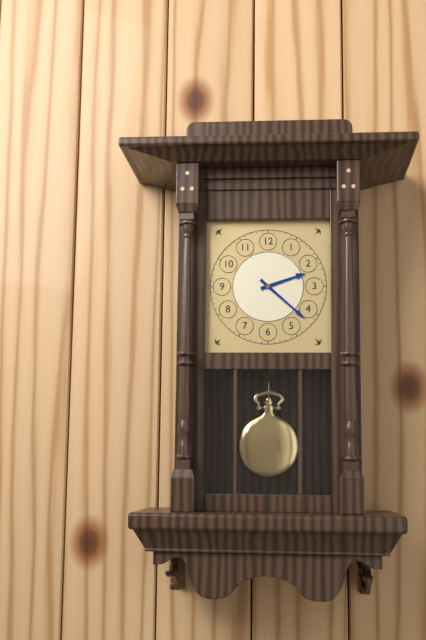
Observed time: 2:22
